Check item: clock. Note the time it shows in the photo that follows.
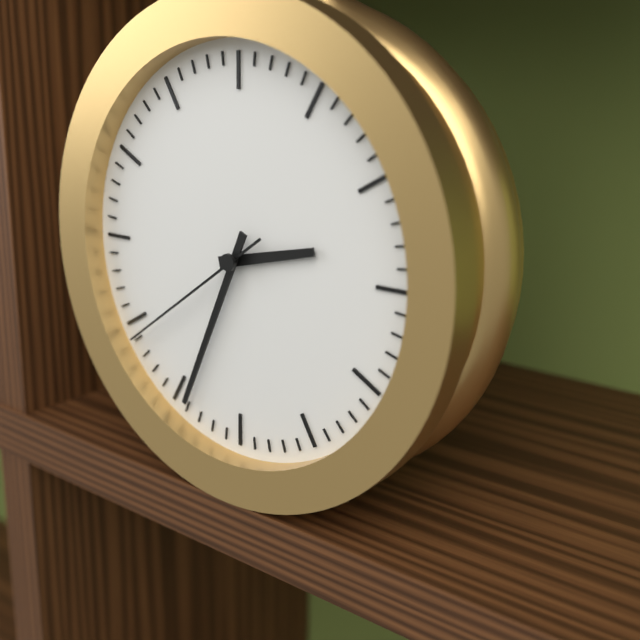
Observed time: 2:34:39
